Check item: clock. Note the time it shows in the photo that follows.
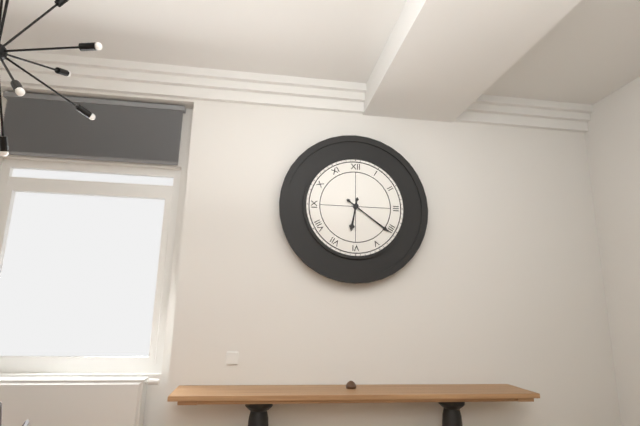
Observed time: 6:21
